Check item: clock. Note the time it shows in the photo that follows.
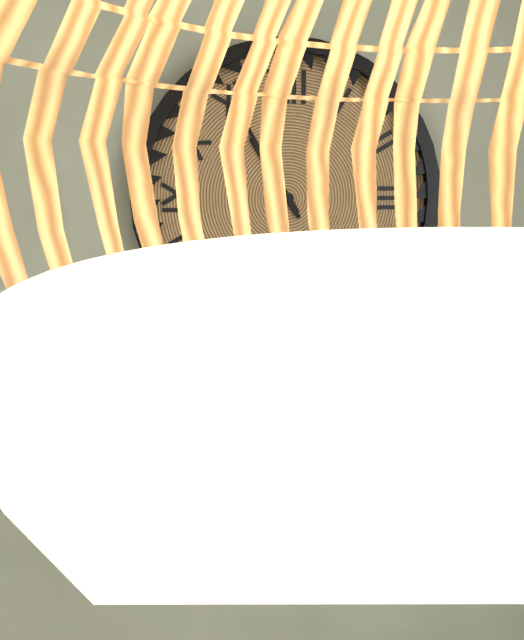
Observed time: 10:55
